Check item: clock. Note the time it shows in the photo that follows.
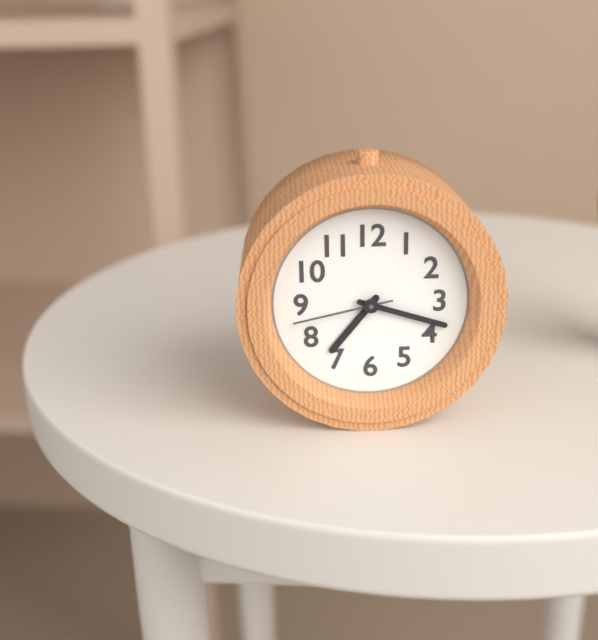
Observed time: 7:18:43
